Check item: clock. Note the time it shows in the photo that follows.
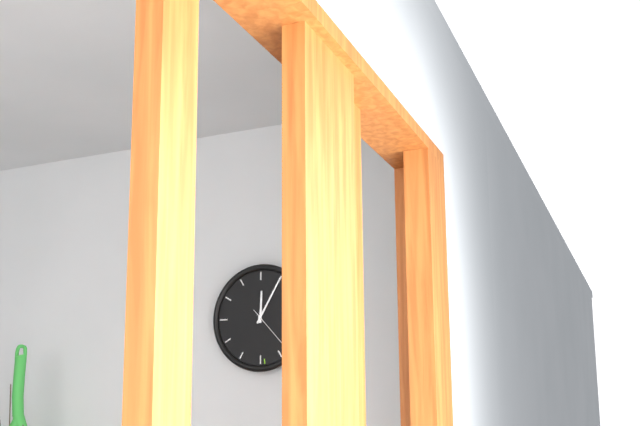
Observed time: 12:05
